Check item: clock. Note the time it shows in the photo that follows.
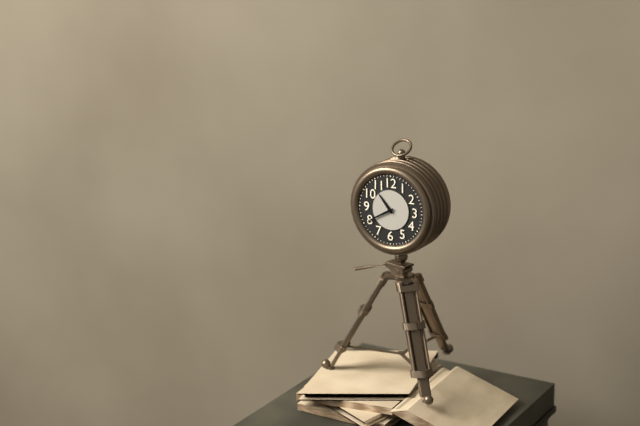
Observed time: 10:40
